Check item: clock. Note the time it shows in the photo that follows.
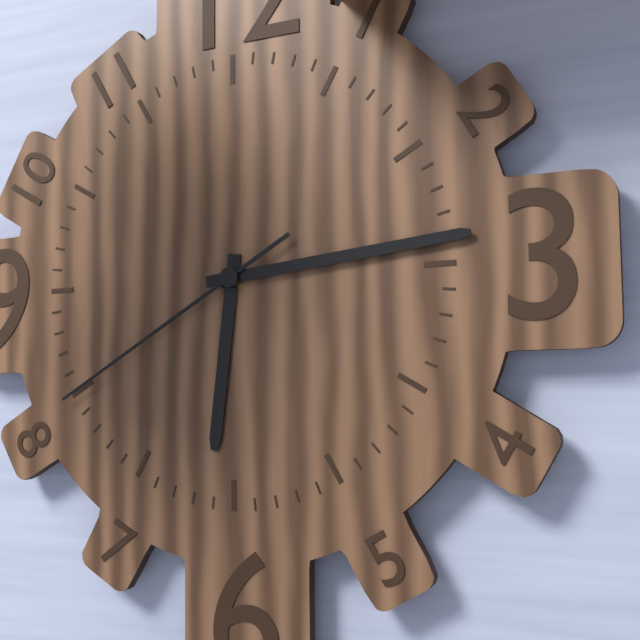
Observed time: 6:14:40
